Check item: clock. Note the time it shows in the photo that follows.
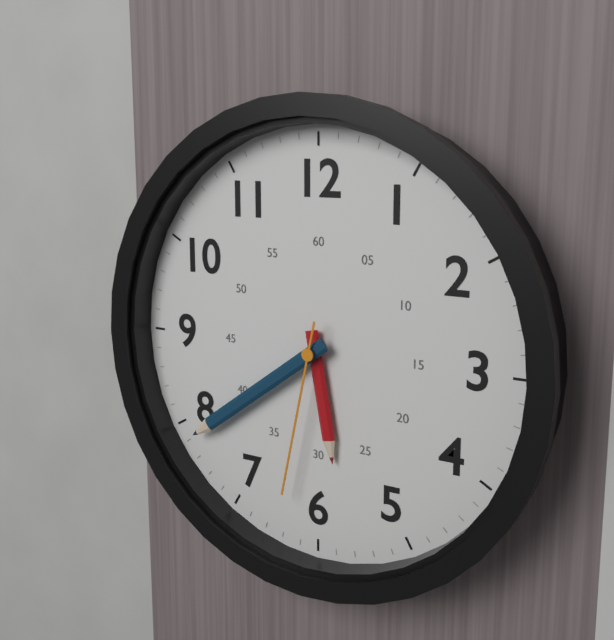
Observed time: 5:39:32
